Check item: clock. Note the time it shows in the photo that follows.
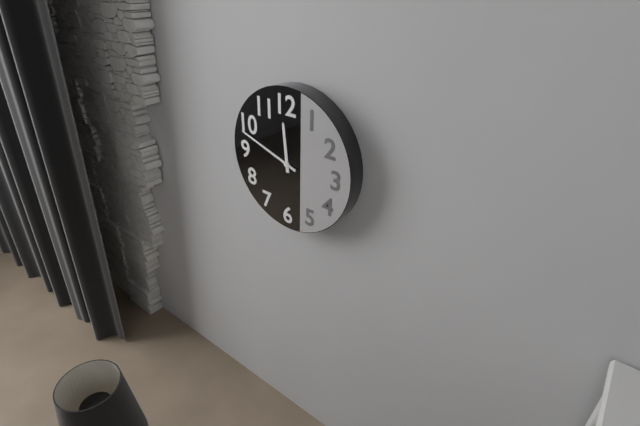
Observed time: 11:48
